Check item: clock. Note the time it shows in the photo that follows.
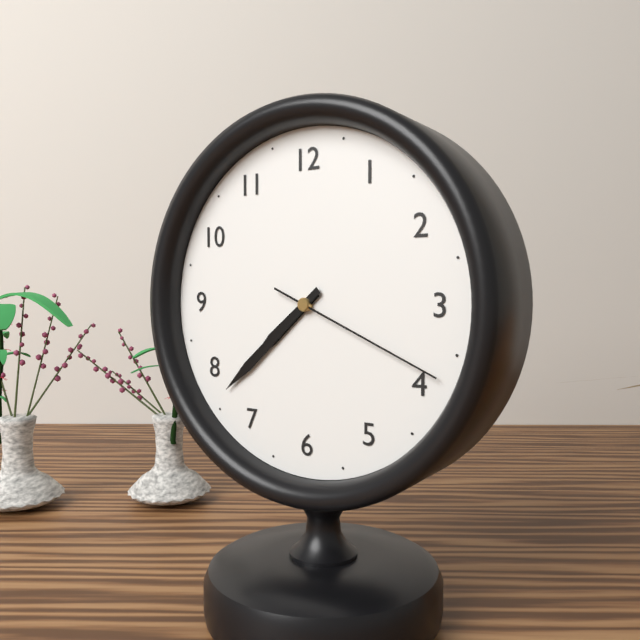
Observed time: 7:38:19
